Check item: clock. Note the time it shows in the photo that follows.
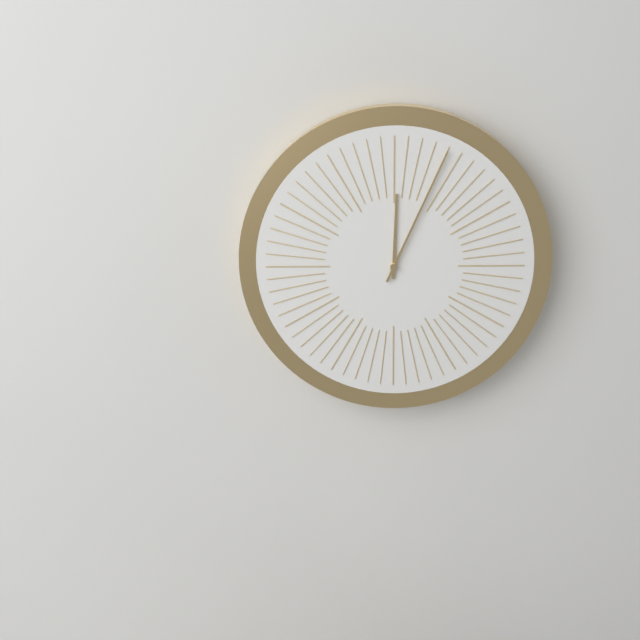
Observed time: 12:04
